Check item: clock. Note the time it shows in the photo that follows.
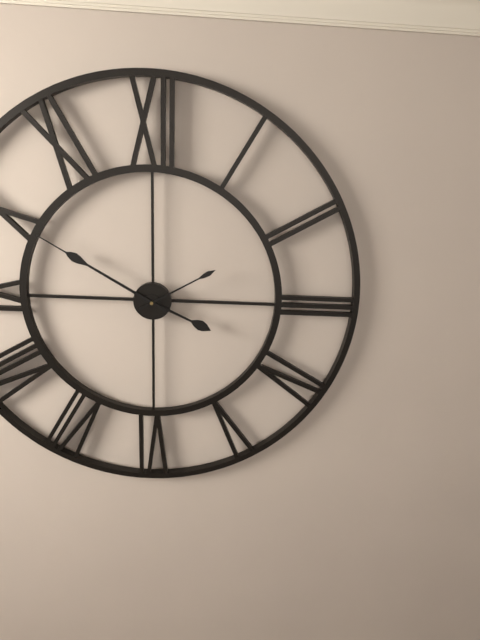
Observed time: 3:50:10
